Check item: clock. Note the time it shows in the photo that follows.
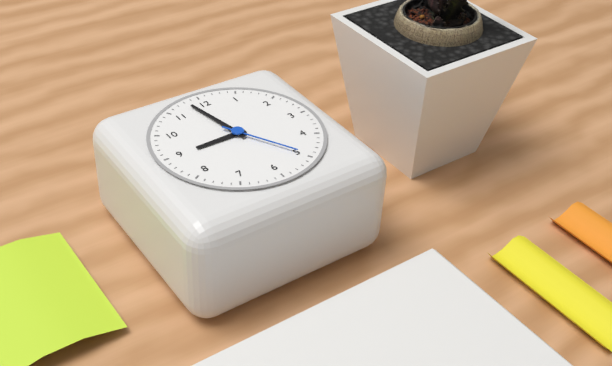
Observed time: 8:58:25
